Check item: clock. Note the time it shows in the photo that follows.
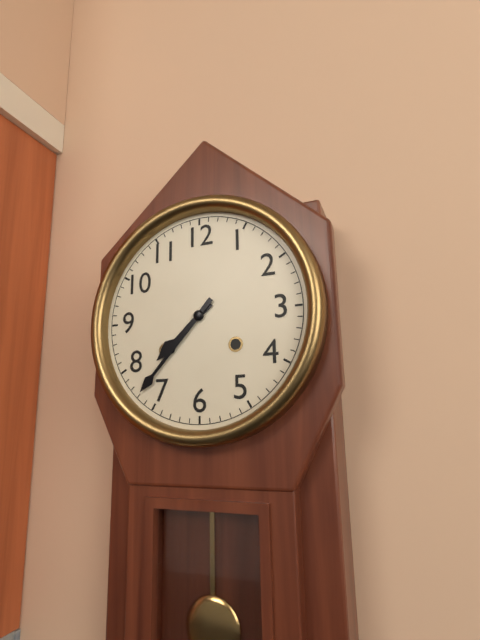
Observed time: 7:37
